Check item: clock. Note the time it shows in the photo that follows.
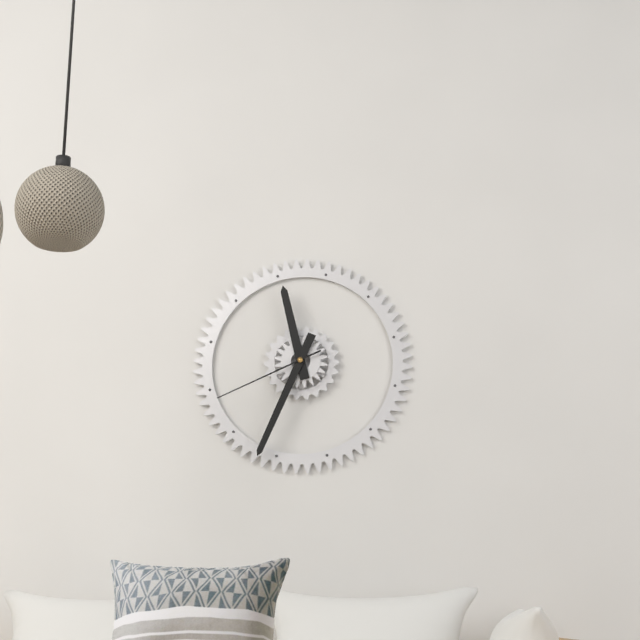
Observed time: 11:34:41
